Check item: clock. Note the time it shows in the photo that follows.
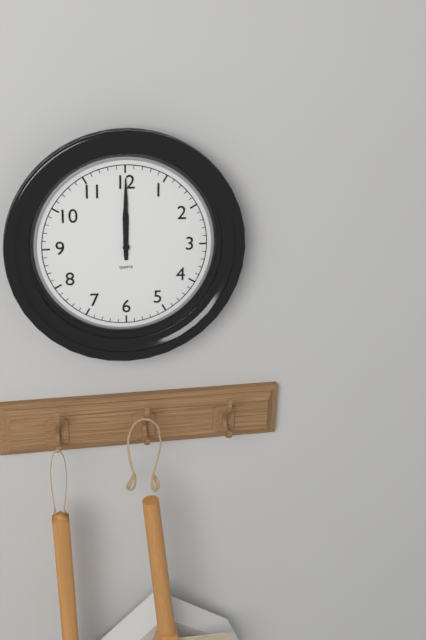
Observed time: 12:00
